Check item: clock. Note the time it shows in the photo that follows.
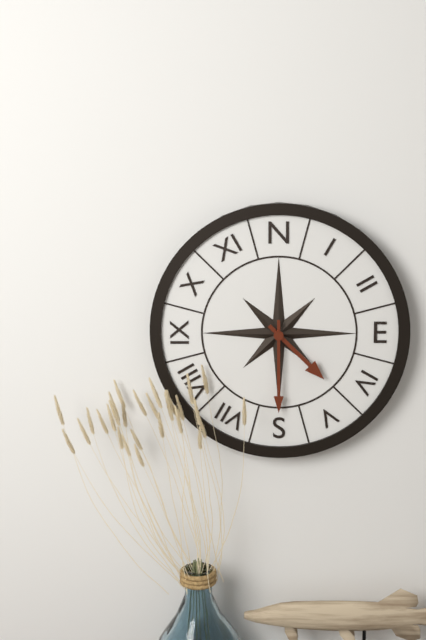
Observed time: 4:30
